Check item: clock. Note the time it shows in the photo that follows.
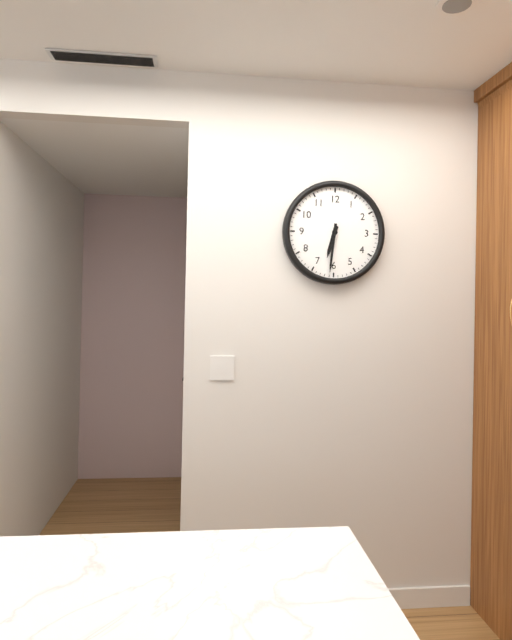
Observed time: 6:31
